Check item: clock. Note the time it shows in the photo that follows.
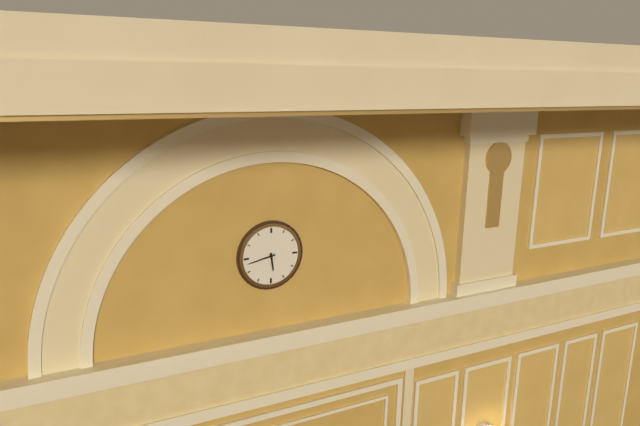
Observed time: 5:43
